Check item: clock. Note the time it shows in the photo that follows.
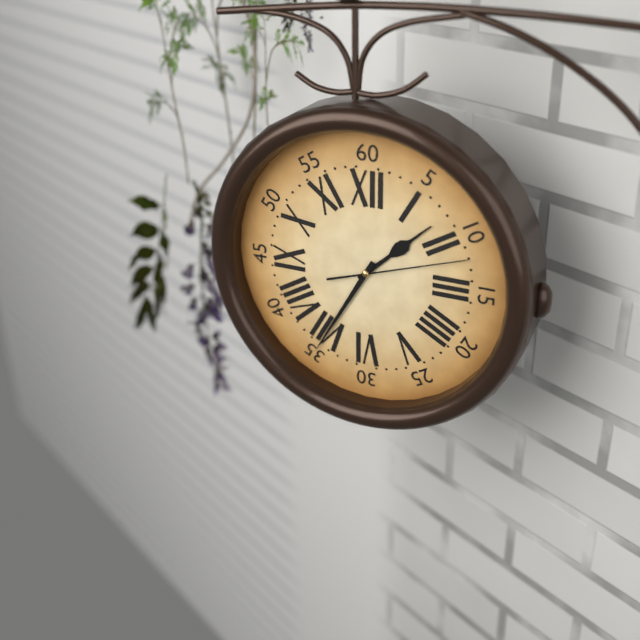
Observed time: 1:35:12
